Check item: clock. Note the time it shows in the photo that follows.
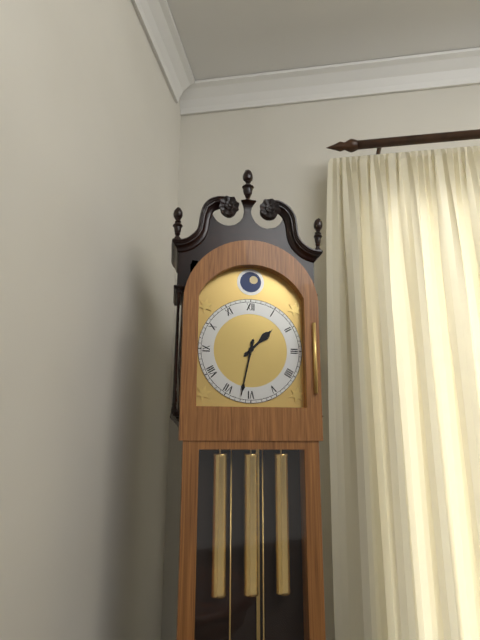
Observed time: 1:32
